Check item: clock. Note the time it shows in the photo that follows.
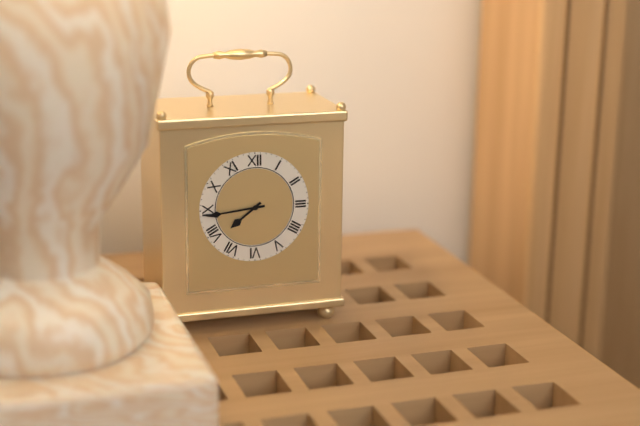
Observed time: 7:44
